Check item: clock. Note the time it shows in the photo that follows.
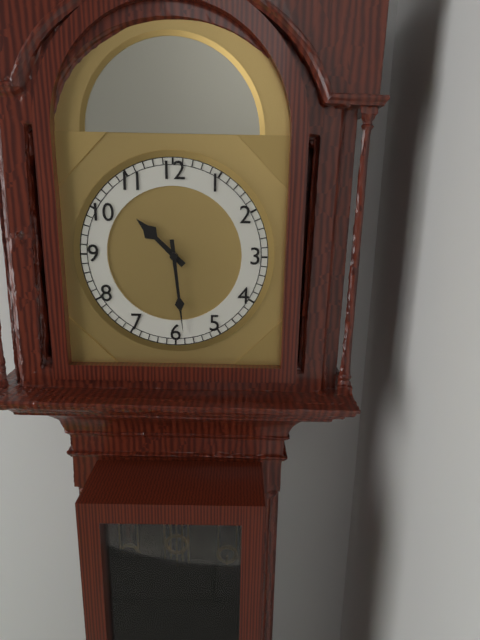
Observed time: 10:29
